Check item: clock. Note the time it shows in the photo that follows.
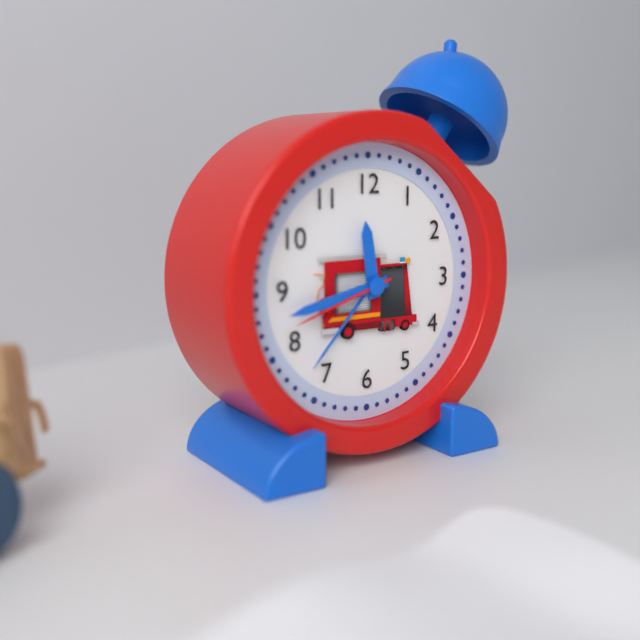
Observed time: 11:43:42
